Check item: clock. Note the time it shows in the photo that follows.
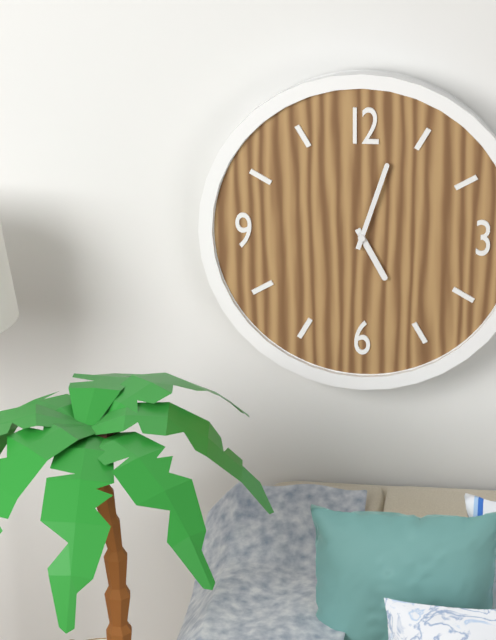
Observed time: 5:03
